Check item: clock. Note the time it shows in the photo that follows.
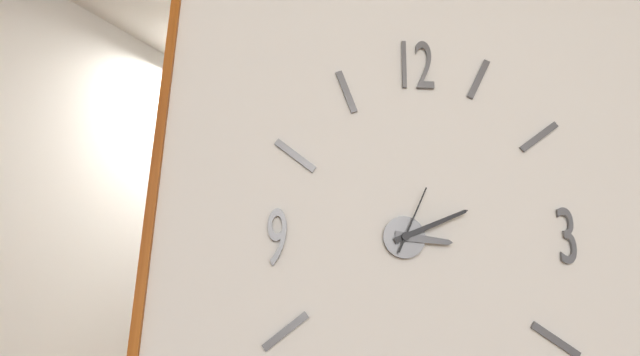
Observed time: 3:11:04
